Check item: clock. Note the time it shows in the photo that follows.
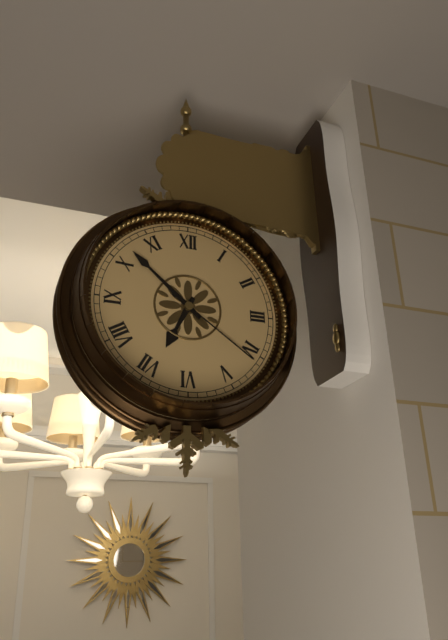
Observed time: 6:52:21
